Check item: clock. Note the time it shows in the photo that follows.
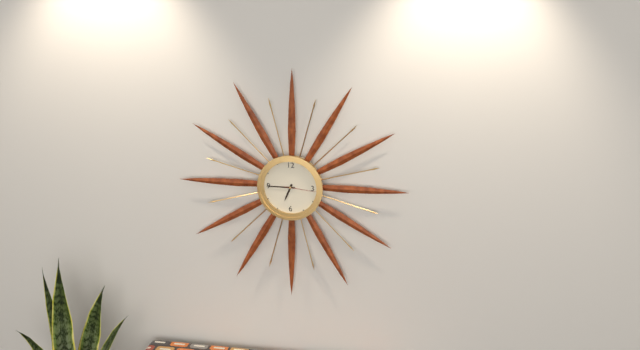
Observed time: 6:45
